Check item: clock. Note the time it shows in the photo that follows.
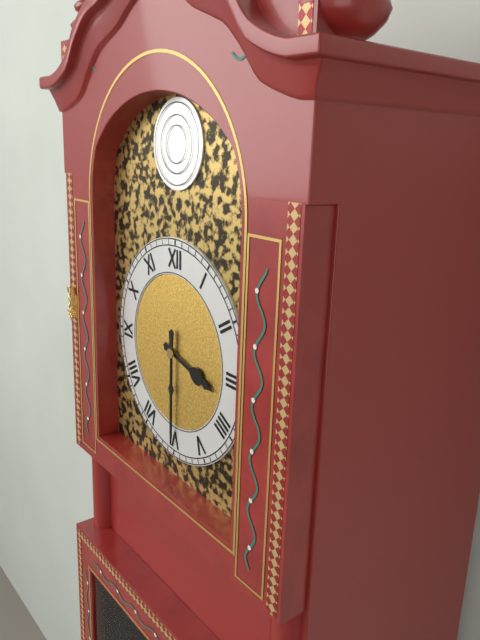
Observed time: 3:30
